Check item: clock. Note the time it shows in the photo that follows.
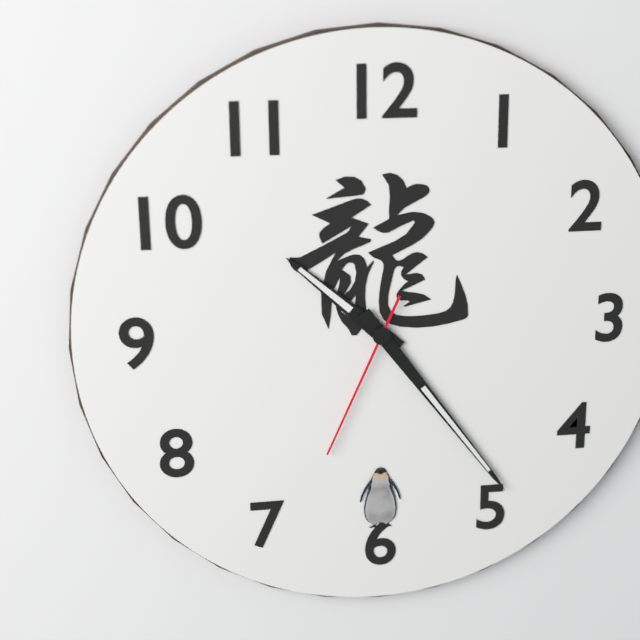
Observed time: 10:24:34
